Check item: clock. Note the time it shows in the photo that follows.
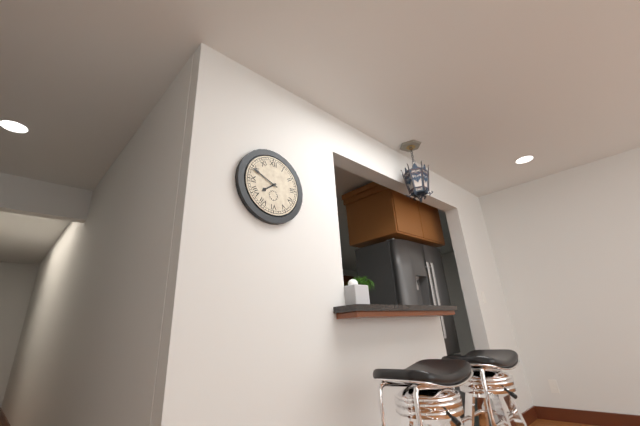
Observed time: 7:49
